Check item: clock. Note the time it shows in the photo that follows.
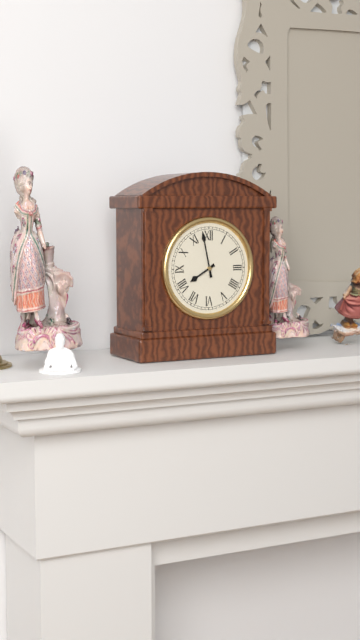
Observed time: 7:58
